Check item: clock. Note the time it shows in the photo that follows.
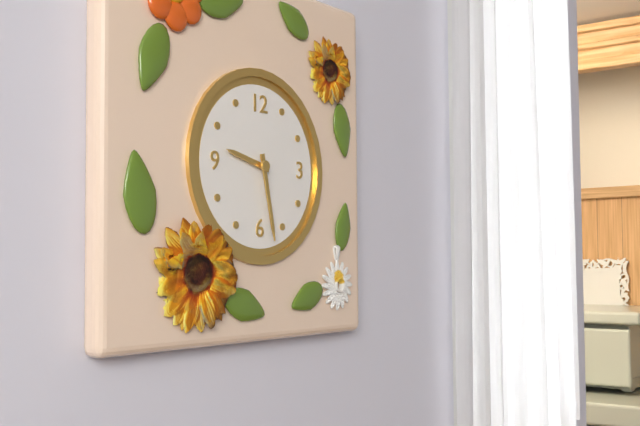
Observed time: 9:28
